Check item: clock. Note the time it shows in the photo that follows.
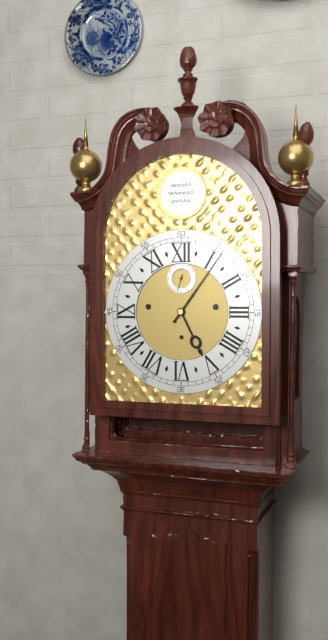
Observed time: 5:06
